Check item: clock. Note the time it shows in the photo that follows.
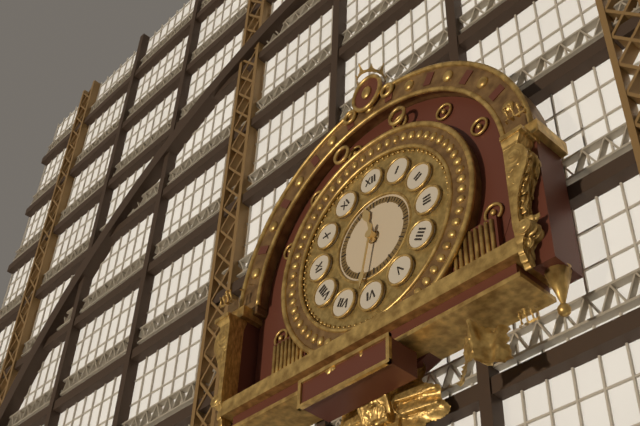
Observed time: 11:32
